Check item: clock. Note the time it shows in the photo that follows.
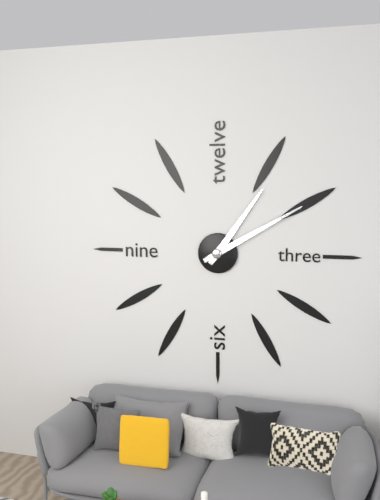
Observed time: 1:10
